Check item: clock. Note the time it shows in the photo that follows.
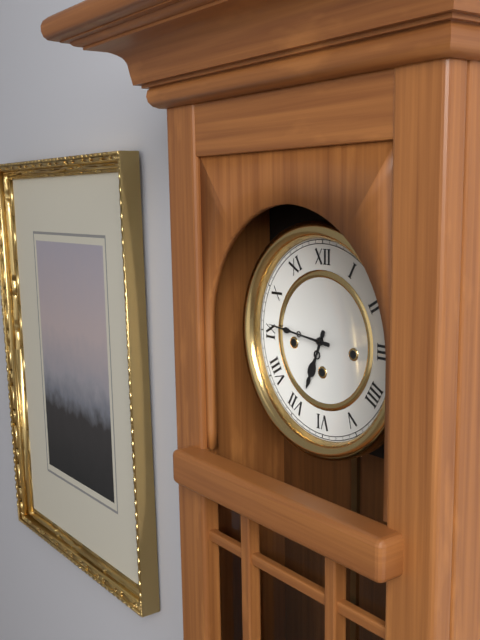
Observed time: 6:46
